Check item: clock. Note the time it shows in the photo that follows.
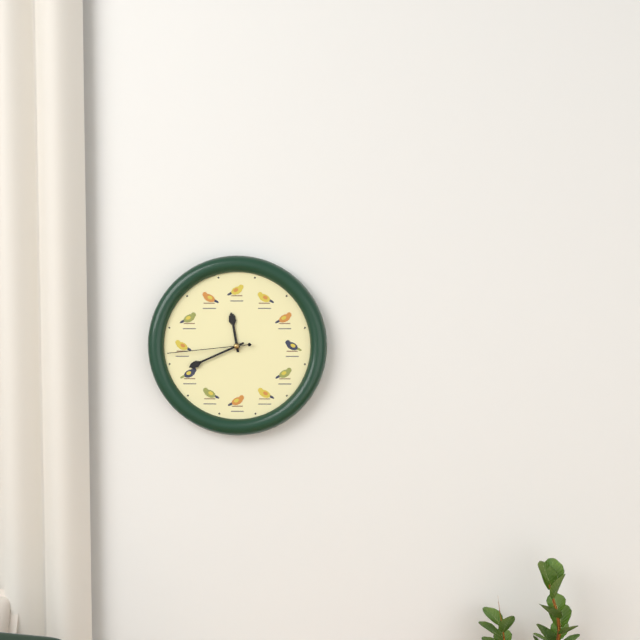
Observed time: 11:41:44
